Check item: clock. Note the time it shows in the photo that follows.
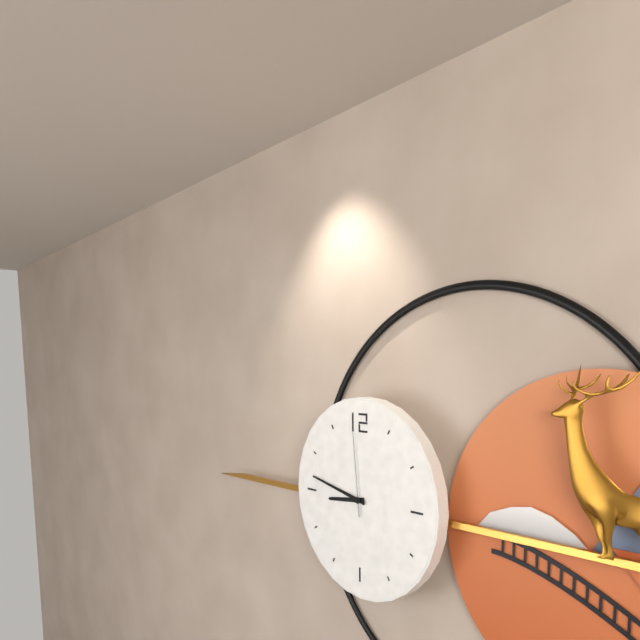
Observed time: 8:47:59
